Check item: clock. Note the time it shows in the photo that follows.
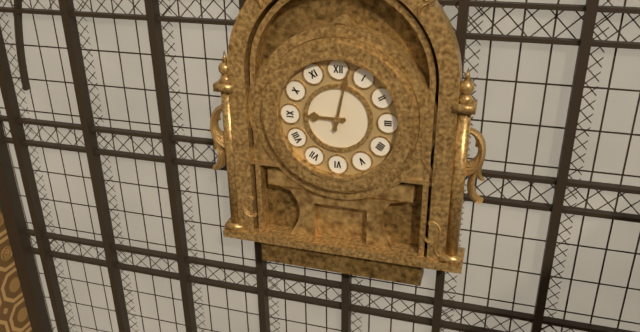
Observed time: 9:02
